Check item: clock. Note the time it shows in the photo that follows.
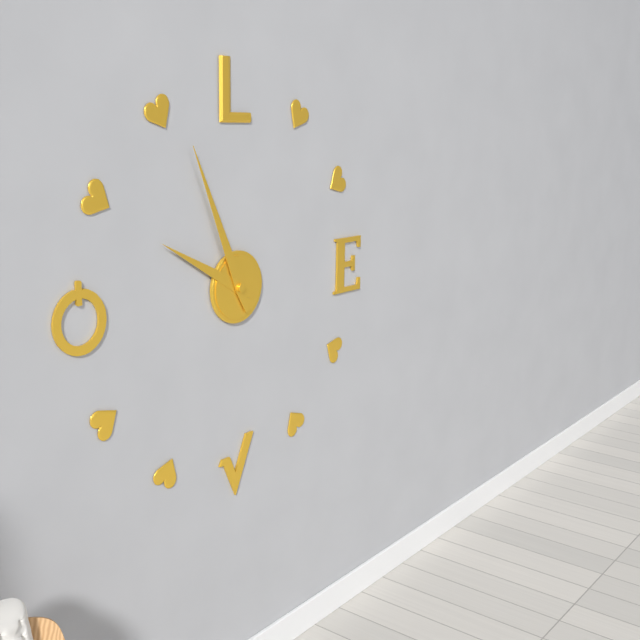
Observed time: 9:56
